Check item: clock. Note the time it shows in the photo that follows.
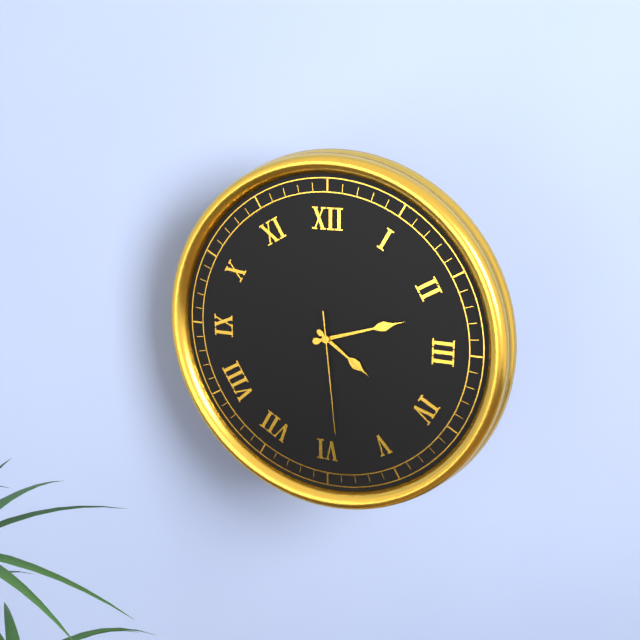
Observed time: 4:12:29
